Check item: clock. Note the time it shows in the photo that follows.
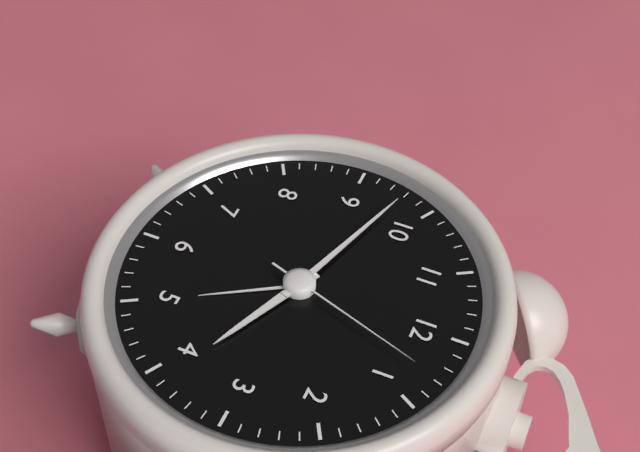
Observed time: 3:48:03
